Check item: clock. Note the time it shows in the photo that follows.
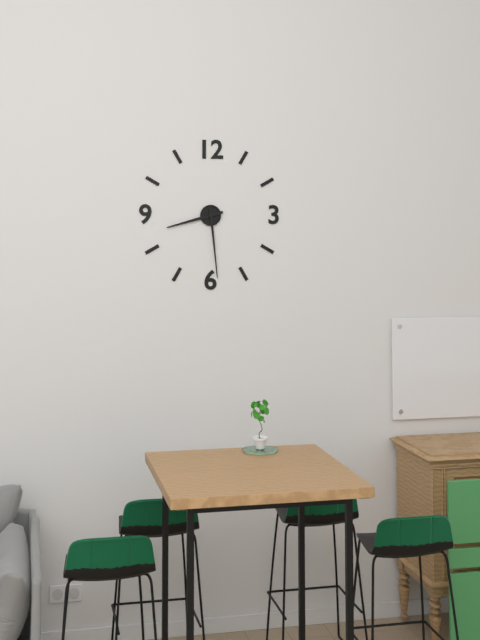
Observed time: 8:29
